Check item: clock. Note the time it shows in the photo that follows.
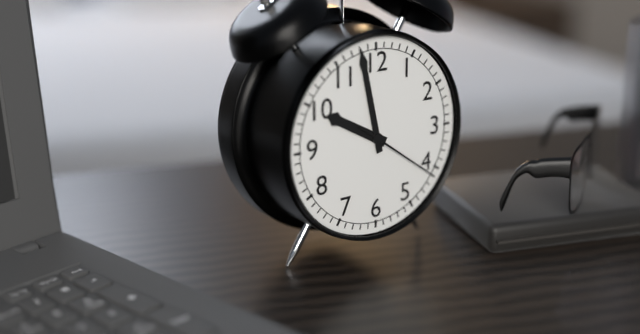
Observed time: 9:58:21
